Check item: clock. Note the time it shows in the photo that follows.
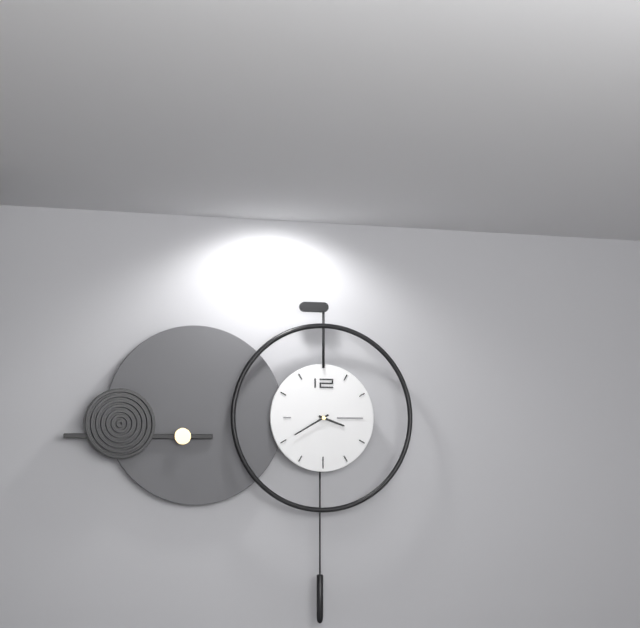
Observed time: 3:40
